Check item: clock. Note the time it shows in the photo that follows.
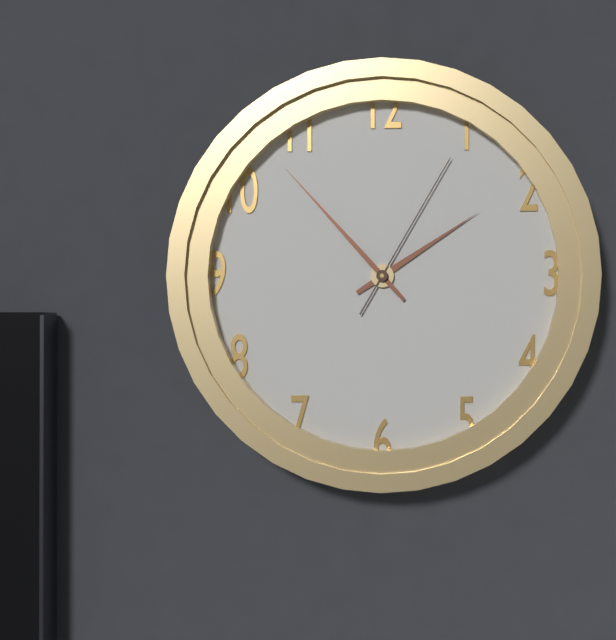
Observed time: 1:53:05
